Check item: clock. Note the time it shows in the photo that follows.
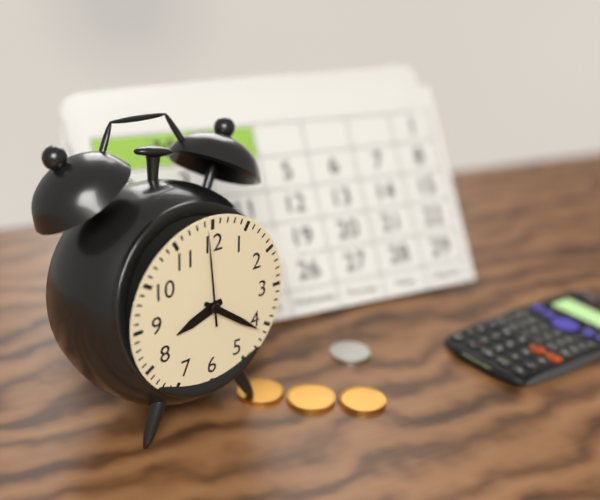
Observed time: 8:21:59
